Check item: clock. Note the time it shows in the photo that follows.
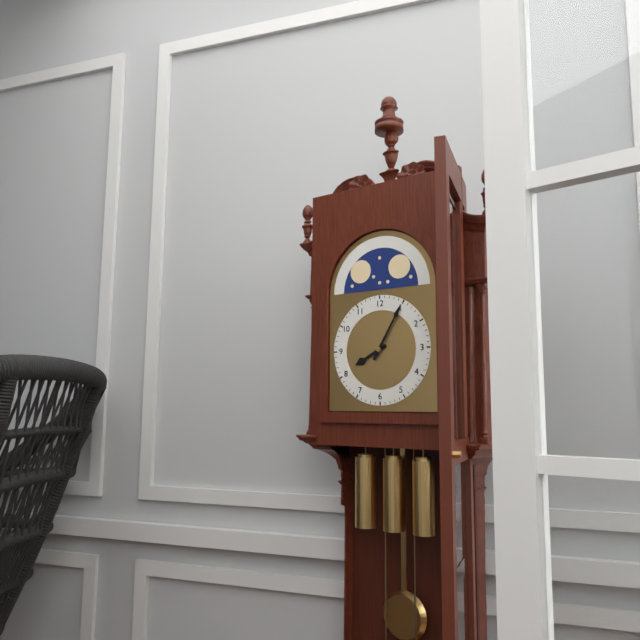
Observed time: 8:05
